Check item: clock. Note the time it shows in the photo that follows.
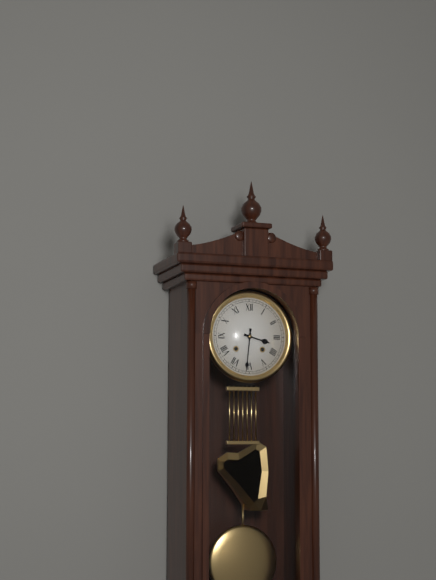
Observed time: 3:31
